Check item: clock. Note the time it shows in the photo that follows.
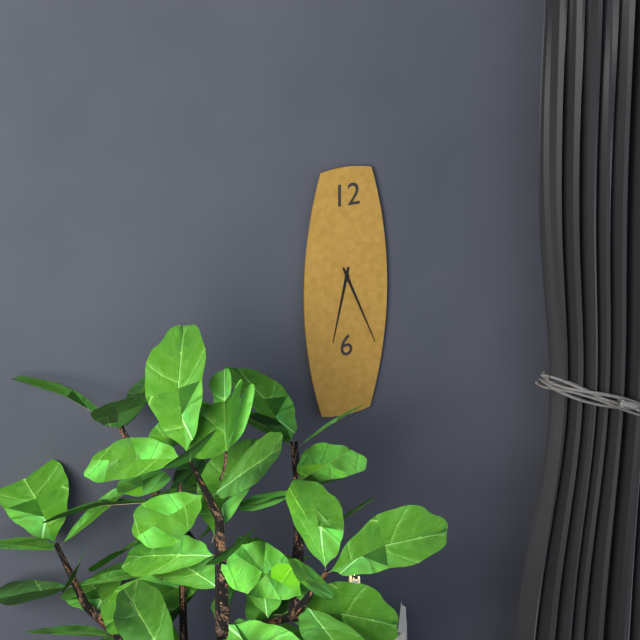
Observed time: 6:26
